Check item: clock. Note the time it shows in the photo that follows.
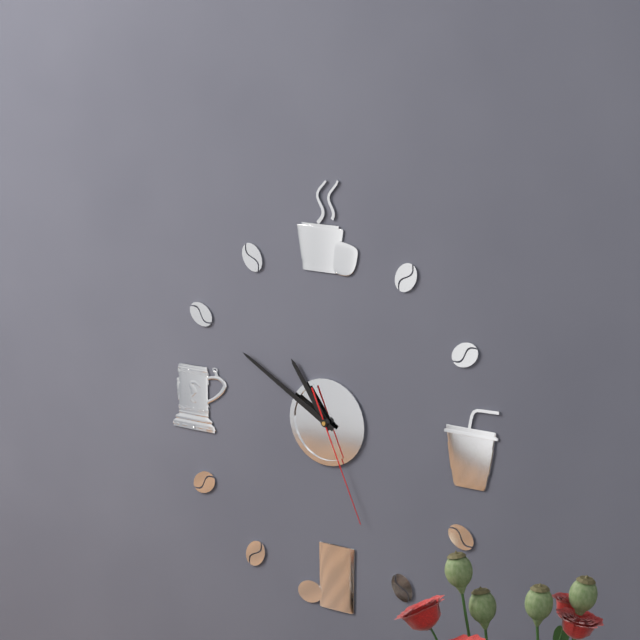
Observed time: 10:50:26
